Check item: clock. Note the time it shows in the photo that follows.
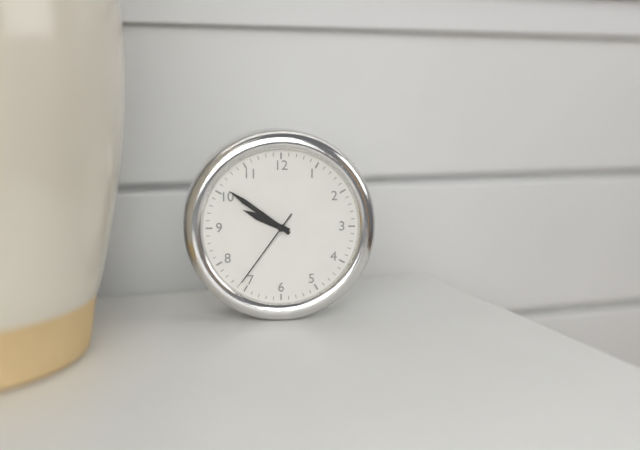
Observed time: 9:51:36
